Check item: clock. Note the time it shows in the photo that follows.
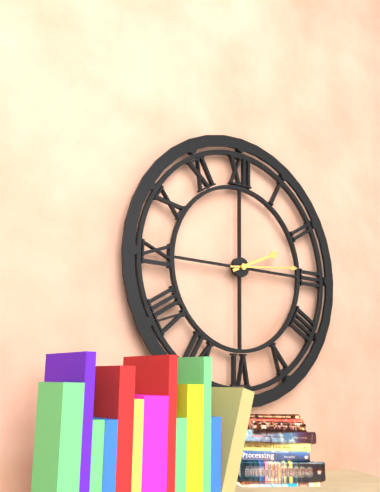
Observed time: 2:14
